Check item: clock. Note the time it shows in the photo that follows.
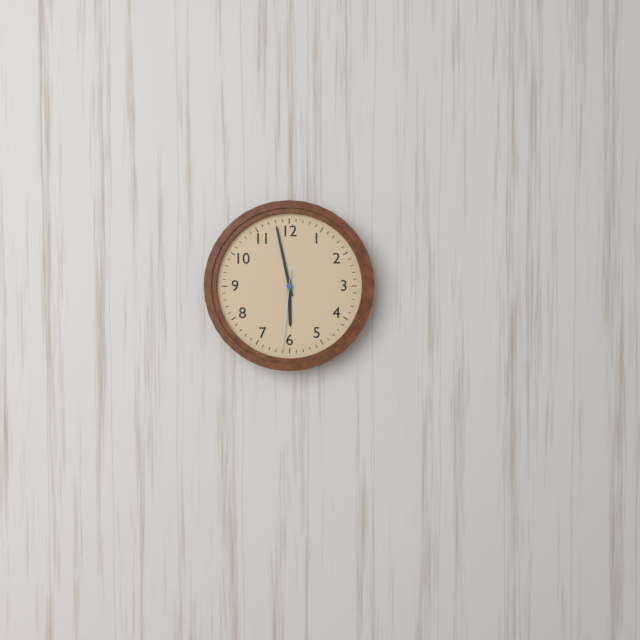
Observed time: 5:58:31
